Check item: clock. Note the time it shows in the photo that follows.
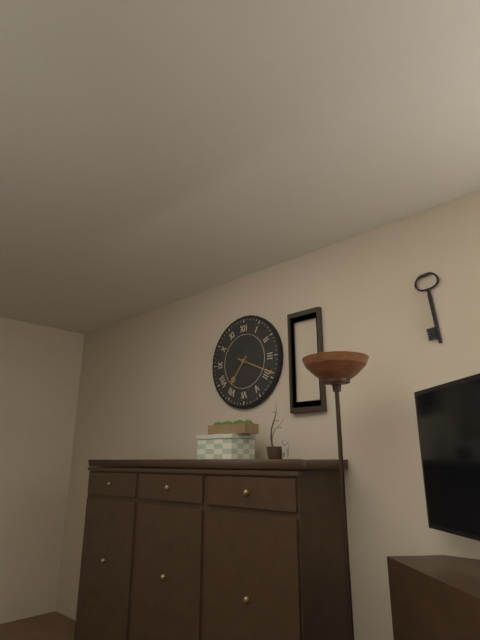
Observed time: 7:19
